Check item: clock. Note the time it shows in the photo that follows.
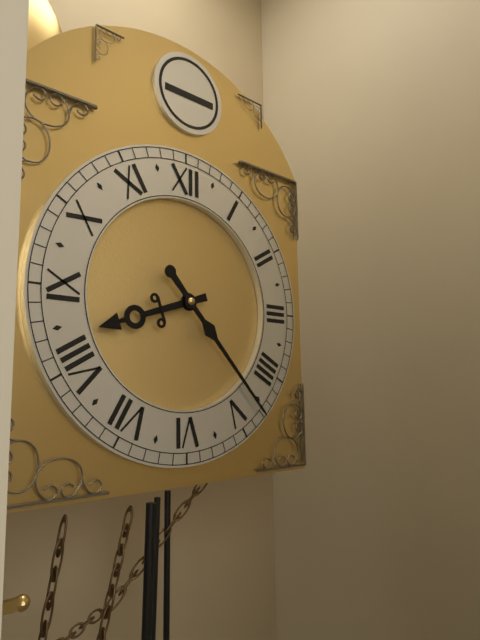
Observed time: 8:23
